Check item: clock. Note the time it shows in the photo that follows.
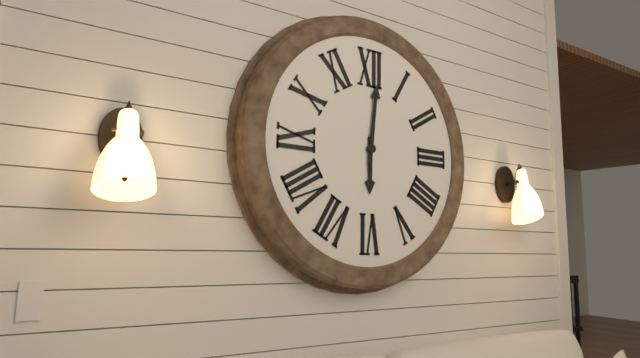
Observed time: 6:01
